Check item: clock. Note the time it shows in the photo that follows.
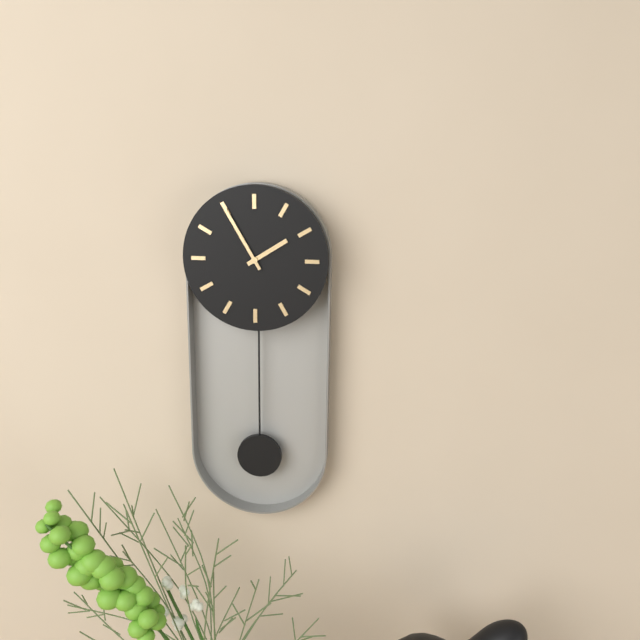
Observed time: 1:55
